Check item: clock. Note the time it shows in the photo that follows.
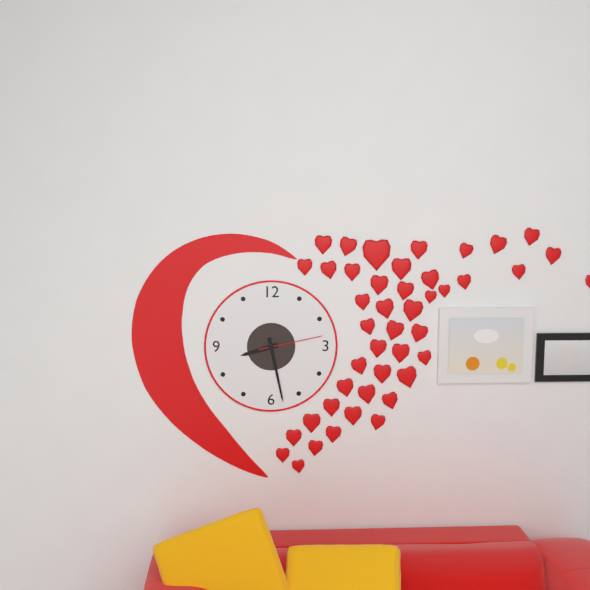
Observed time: 8:28:13
